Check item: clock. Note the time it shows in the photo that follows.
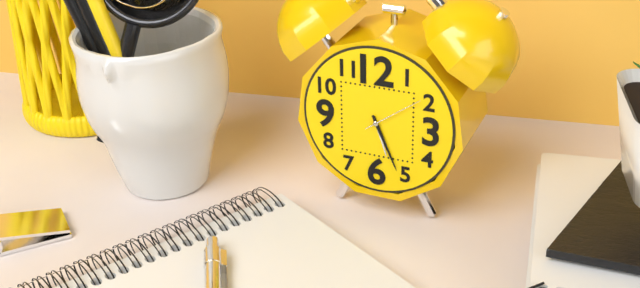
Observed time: 5:26:09
